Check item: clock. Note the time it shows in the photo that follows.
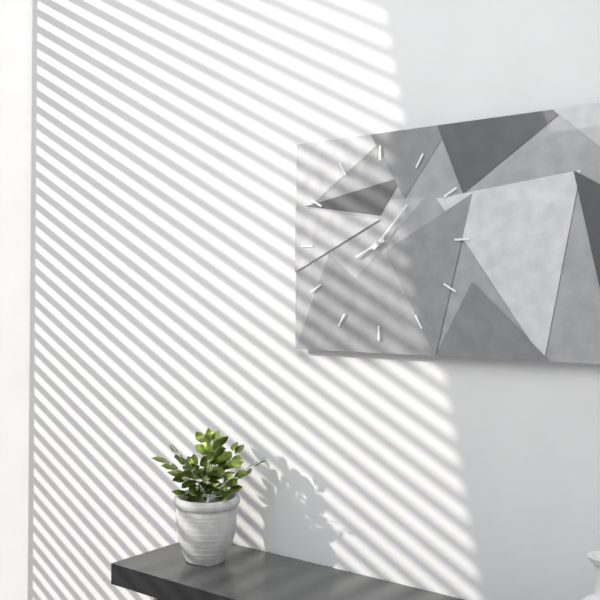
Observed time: 8:07
